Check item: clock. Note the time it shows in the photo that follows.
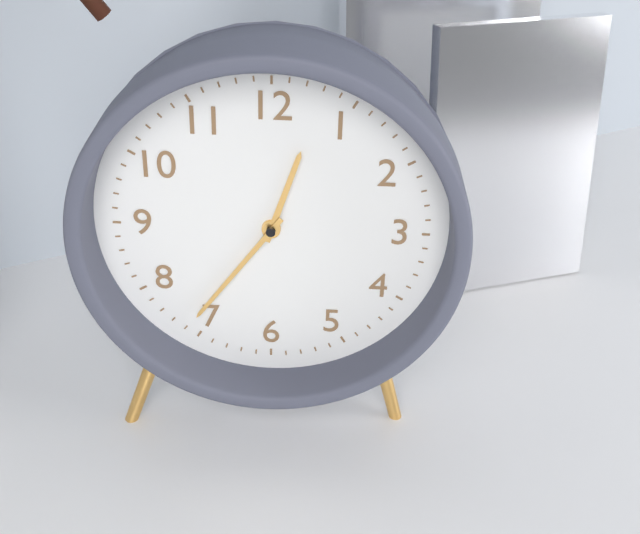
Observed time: 12:36
